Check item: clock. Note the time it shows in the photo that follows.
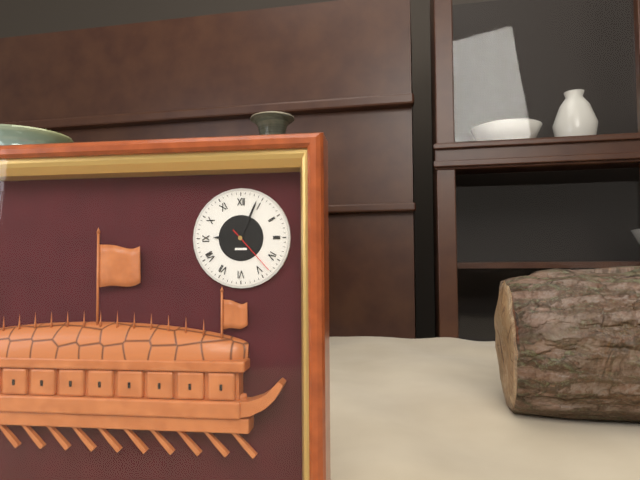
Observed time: 9:04:23
